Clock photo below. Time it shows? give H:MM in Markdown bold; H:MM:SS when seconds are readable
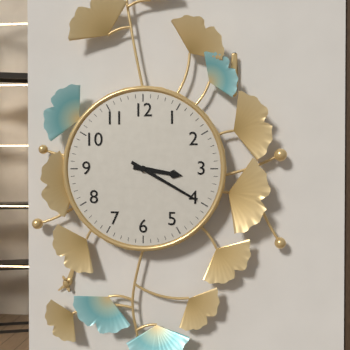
**3:20**
